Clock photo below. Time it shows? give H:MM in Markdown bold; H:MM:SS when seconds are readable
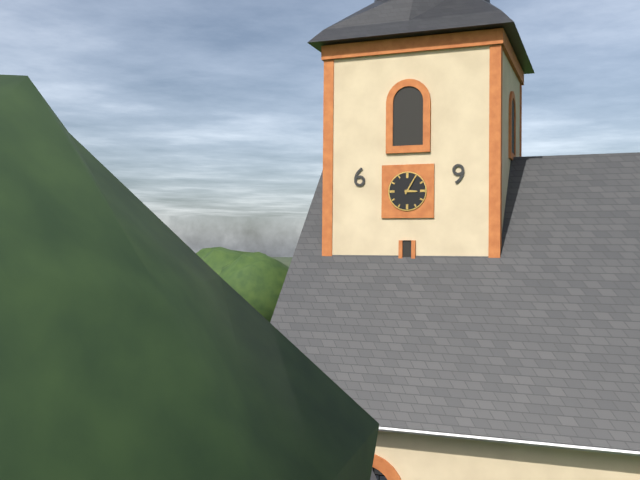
**3:05**
